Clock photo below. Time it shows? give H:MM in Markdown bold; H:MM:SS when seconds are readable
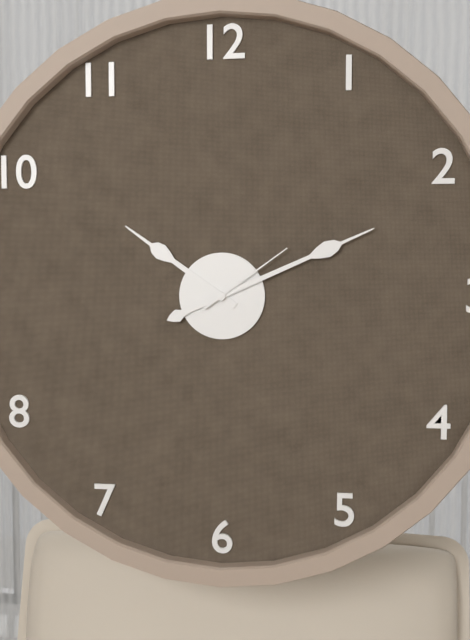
**10:11:09**
